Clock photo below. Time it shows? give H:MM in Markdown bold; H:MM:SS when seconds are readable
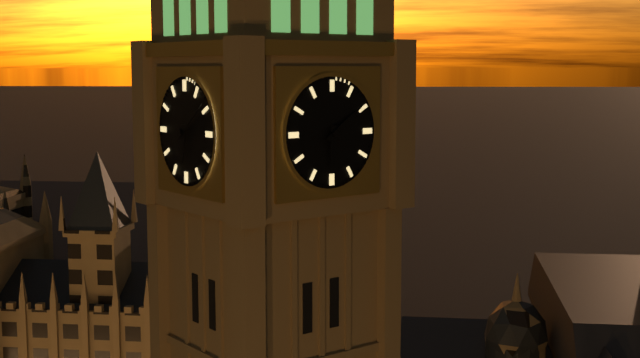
**6:09**
